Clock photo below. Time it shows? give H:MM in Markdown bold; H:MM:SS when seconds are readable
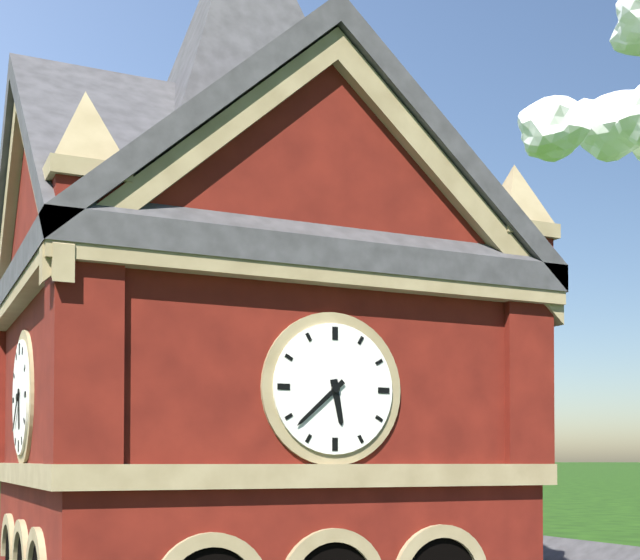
**5:38**
